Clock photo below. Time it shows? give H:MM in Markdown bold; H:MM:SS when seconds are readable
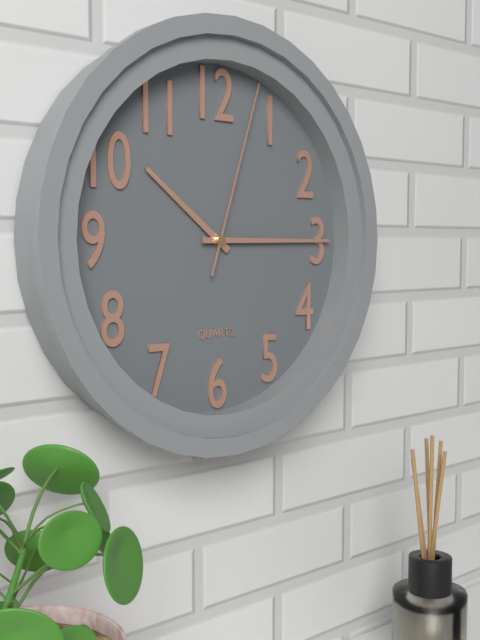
**10:15:03**
